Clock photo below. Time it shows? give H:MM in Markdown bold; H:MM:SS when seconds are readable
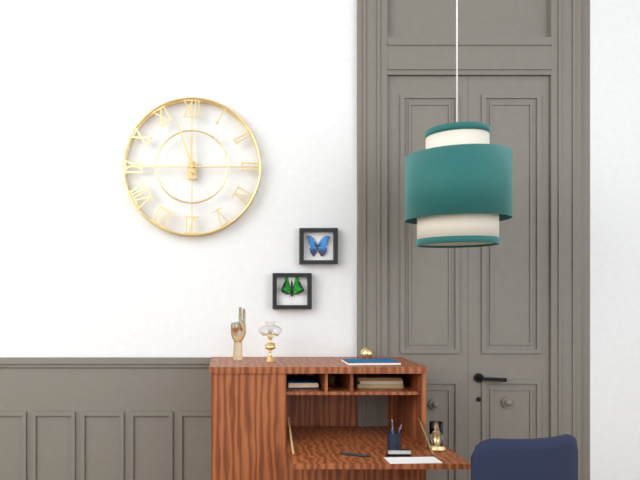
**11:57**
